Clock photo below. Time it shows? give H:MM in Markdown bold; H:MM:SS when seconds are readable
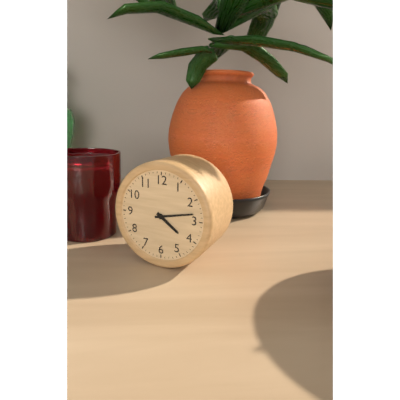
**4:13**
